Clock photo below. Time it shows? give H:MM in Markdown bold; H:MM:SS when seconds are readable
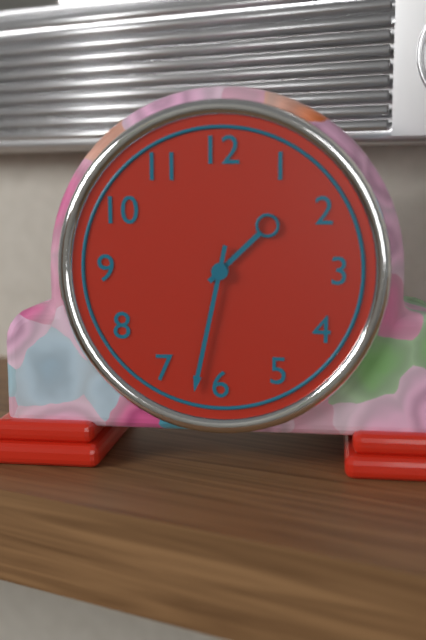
**1:32**
